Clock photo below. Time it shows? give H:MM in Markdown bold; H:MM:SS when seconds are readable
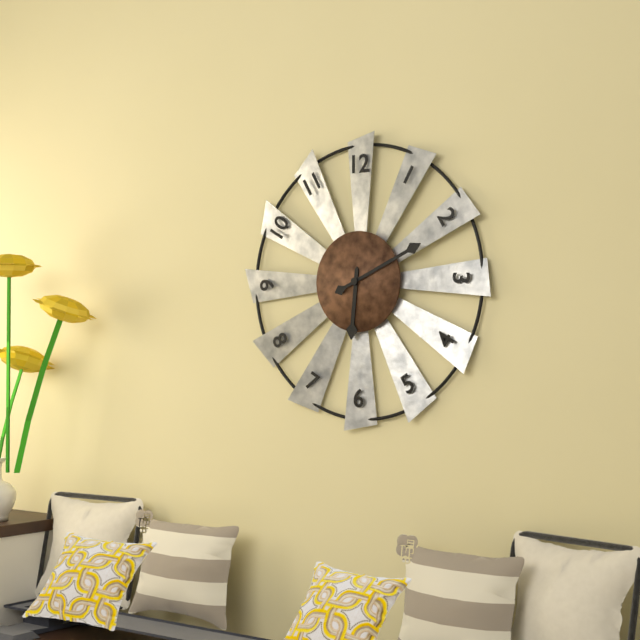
**6:11**
